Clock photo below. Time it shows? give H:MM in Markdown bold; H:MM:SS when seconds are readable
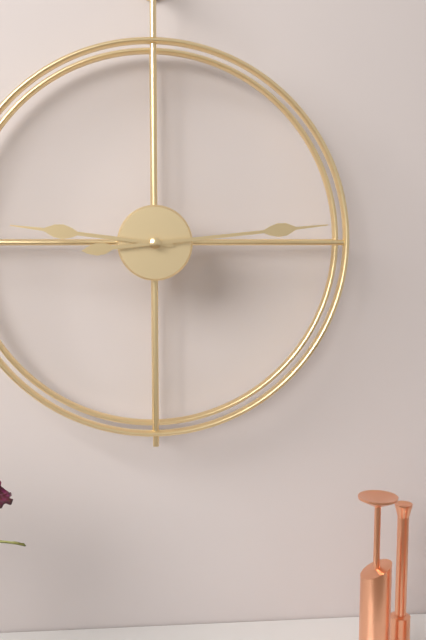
**9:14**
